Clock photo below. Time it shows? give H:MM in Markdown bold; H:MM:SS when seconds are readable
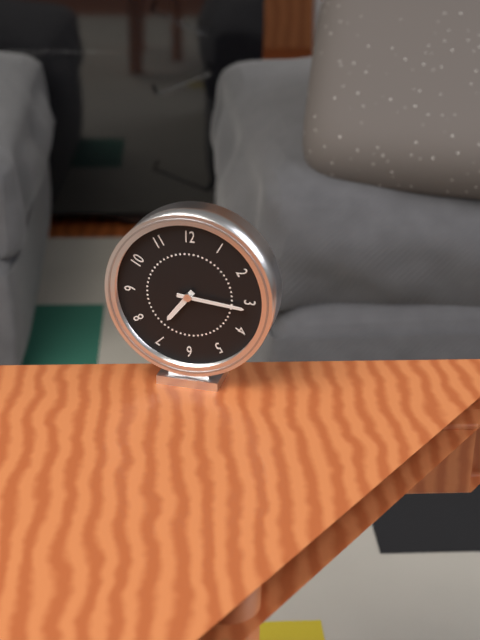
**7:16**
